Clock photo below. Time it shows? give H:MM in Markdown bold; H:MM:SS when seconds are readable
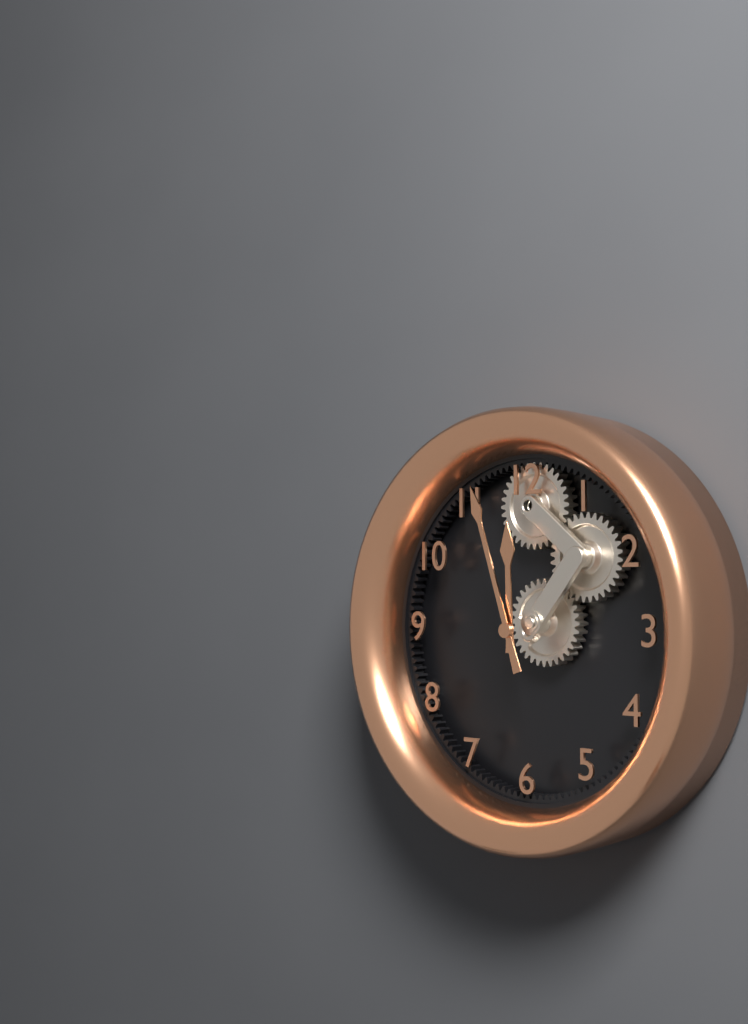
**11:57**
